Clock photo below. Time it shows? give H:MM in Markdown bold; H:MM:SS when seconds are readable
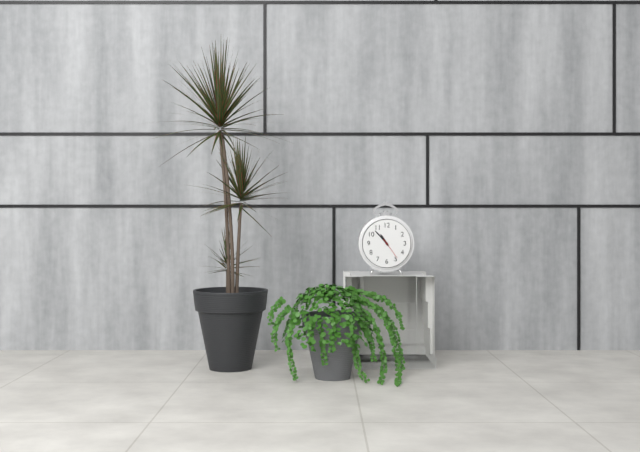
**10:53**
